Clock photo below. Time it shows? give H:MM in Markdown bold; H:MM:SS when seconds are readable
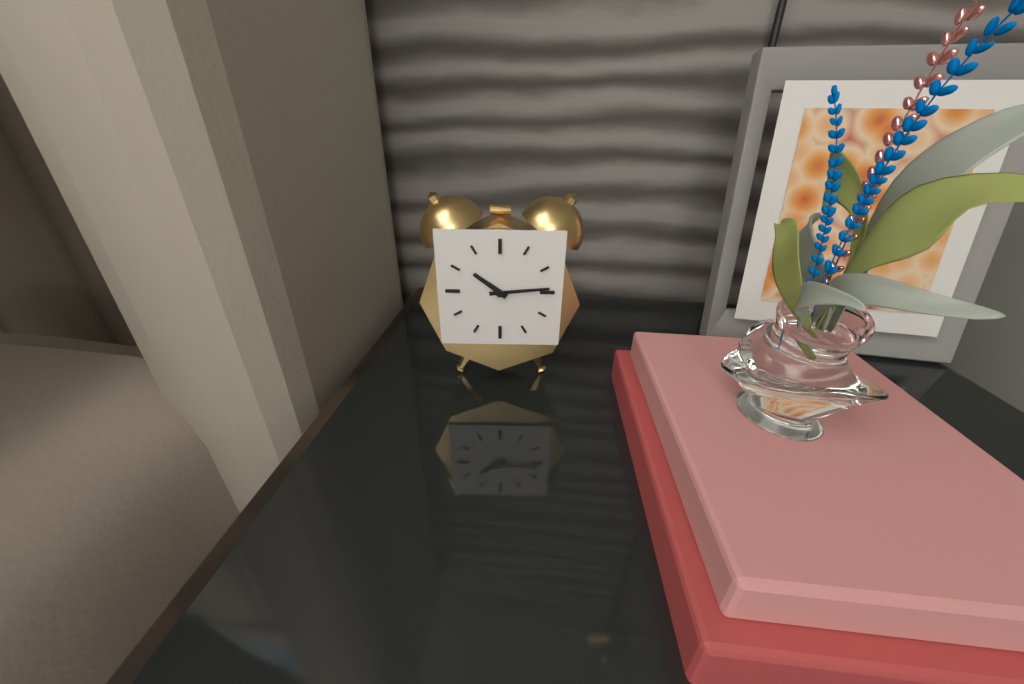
**10:14**
